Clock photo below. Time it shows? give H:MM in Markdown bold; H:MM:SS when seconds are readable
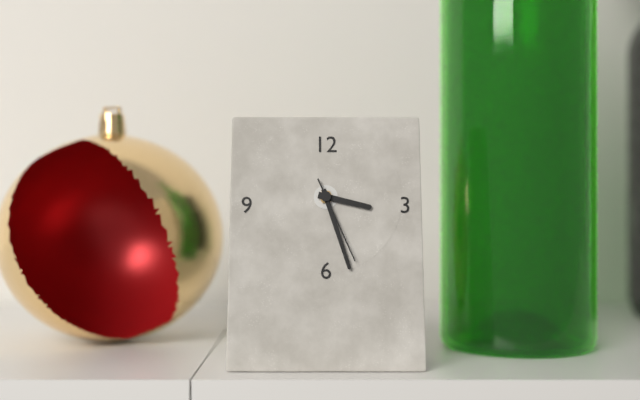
**3:27:26**
